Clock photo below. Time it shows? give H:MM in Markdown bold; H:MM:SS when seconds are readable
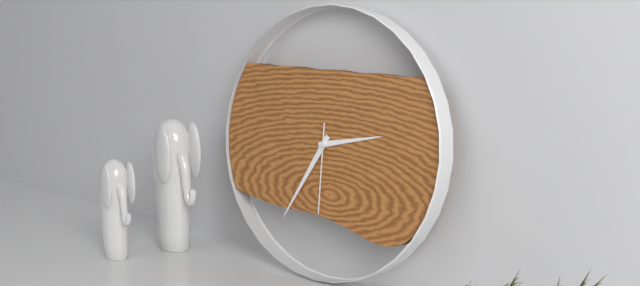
**2:35:30**
